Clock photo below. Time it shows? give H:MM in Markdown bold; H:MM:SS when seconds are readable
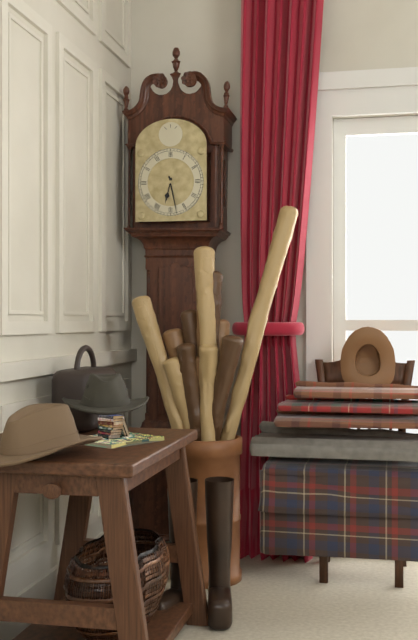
**6:28**
